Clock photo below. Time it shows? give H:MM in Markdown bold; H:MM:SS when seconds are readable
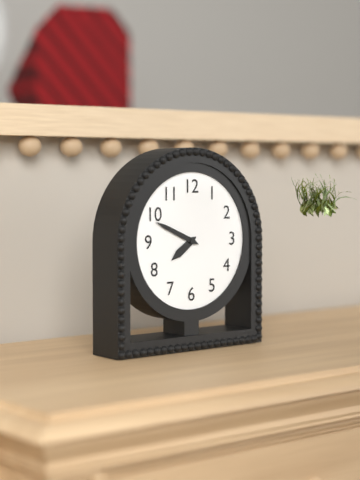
**7:49**
